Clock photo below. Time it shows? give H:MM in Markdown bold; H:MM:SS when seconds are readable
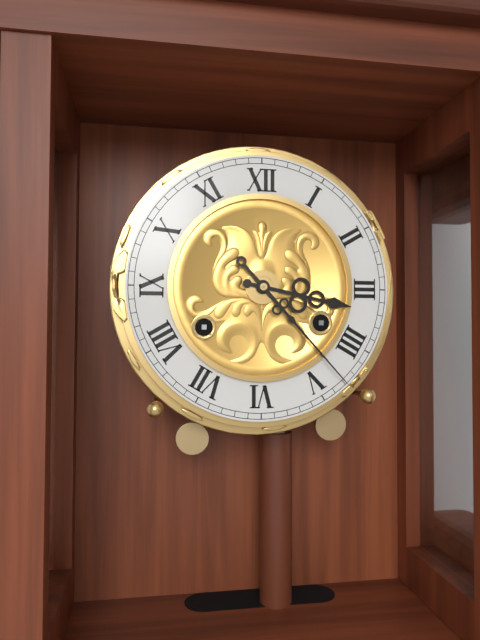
**3:23**
